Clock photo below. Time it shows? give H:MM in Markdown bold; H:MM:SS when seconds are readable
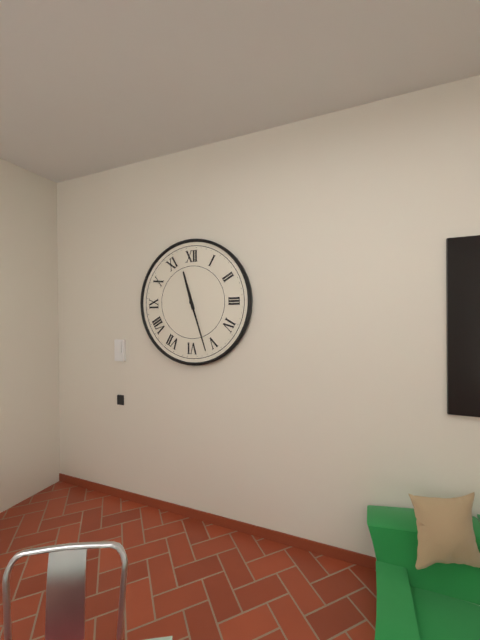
**11:27**
